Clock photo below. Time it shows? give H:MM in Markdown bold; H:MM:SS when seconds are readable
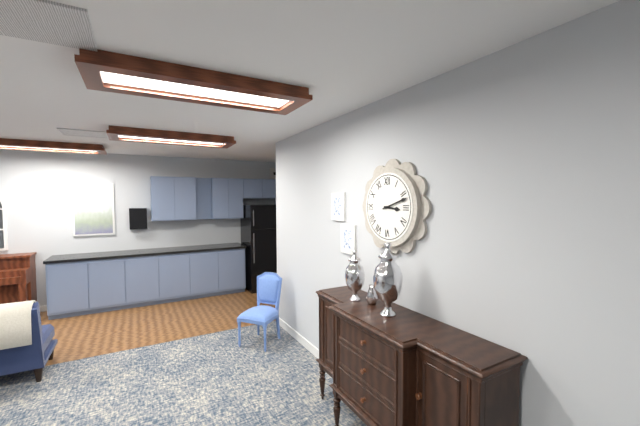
**3:12**
